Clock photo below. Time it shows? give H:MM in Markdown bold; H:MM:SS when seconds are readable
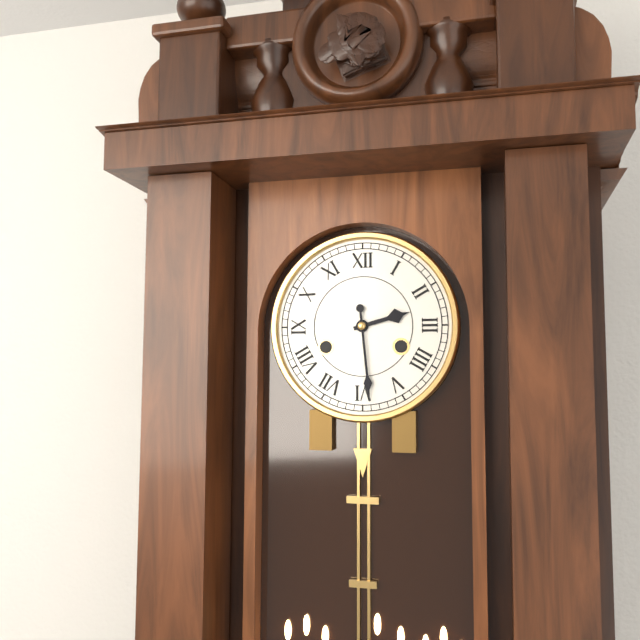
**2:29**
